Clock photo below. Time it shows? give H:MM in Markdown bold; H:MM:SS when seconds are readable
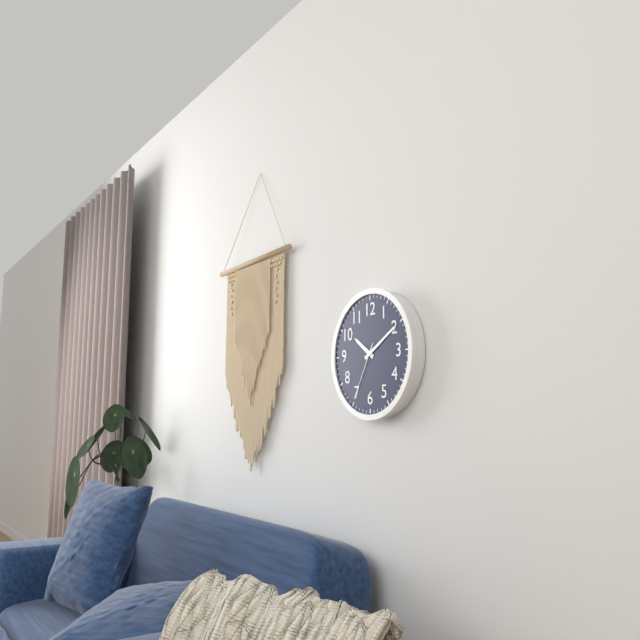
**10:10:35**
